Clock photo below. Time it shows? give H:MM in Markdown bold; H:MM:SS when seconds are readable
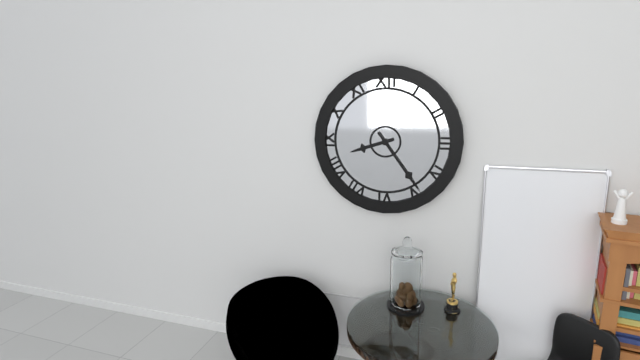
**8:24**
